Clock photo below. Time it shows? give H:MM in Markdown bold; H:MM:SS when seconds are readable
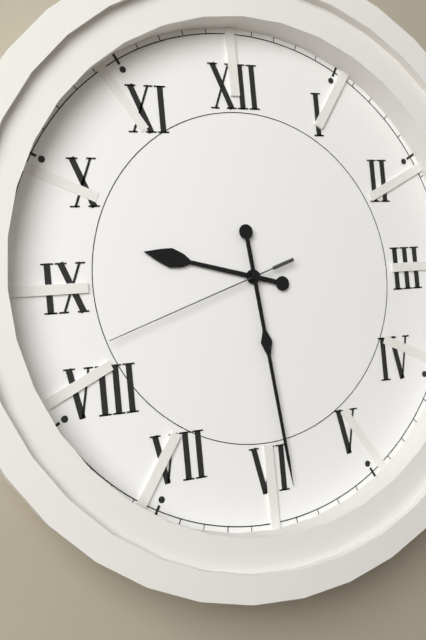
**9:29:42**
